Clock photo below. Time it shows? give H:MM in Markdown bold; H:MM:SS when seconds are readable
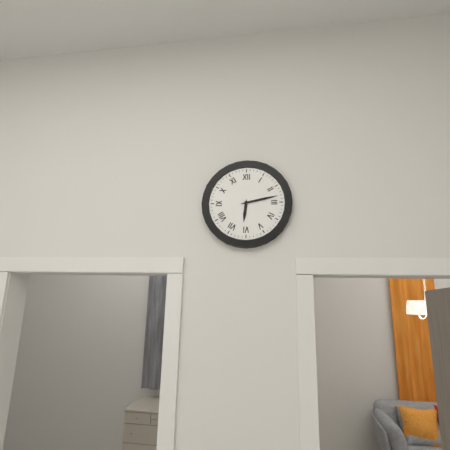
**6:13**
